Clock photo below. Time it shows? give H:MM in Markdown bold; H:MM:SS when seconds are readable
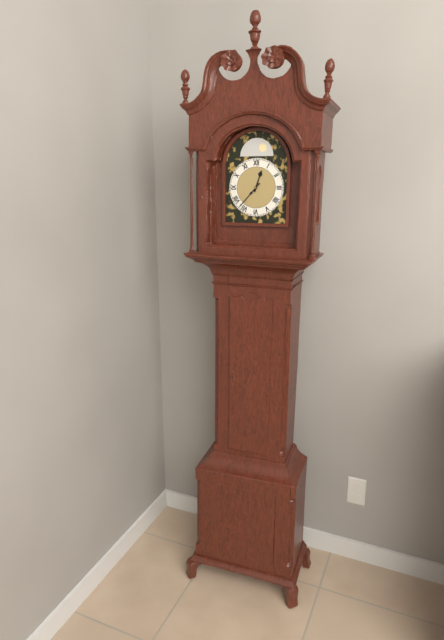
**12:37**
